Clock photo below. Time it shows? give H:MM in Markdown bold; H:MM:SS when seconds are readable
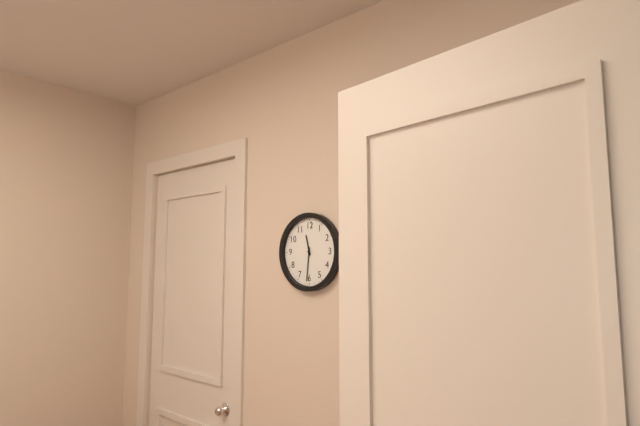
**11:31**
